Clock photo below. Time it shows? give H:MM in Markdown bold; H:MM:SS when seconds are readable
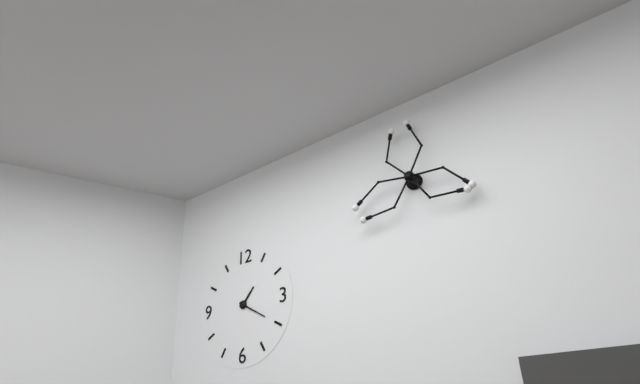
**1:20**
